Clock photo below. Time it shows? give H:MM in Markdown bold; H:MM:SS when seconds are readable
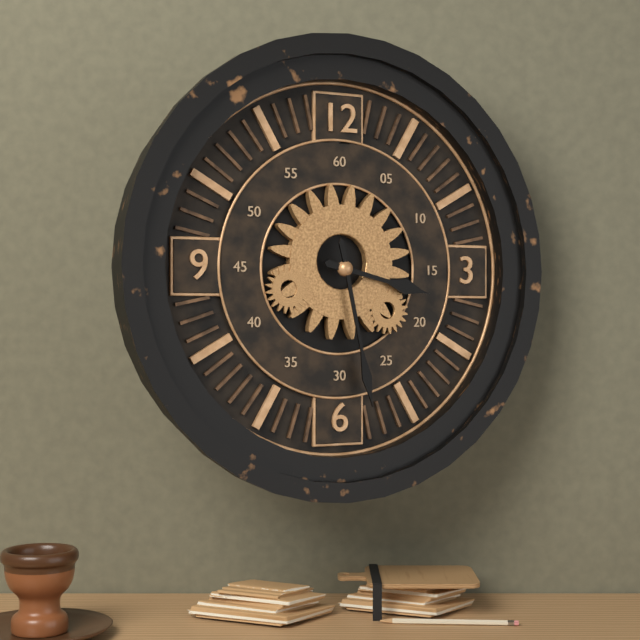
**3:28**
